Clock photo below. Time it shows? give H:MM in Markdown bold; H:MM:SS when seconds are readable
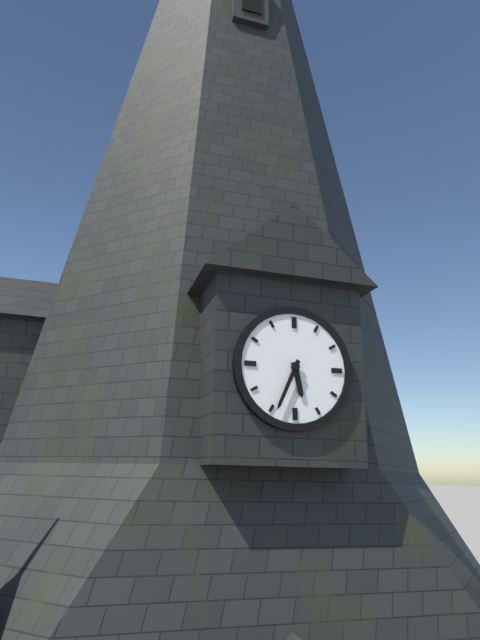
**5:34**
